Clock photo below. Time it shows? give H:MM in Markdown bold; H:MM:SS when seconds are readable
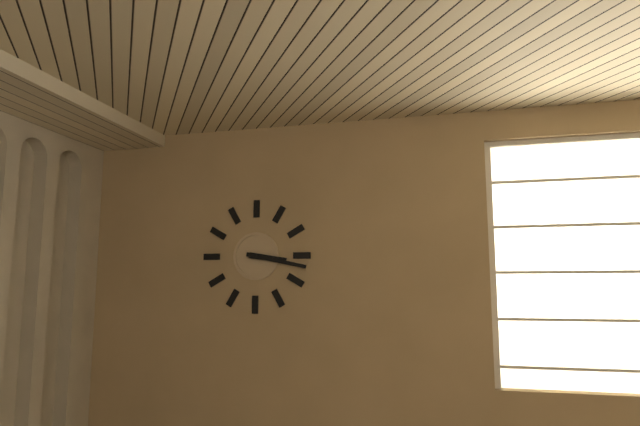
**3:17**
